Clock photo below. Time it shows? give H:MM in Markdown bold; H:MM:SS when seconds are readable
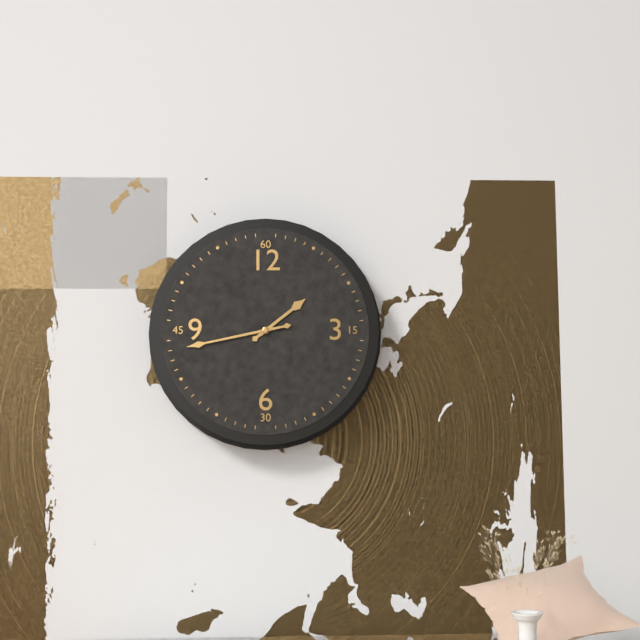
**1:43**
